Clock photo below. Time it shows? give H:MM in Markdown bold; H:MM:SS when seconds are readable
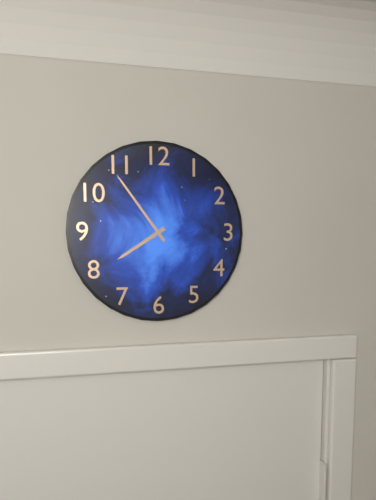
**7:54**
